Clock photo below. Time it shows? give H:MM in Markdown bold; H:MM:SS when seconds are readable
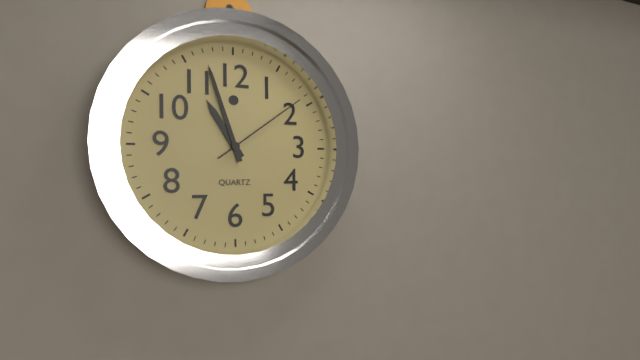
**10:57:09**
